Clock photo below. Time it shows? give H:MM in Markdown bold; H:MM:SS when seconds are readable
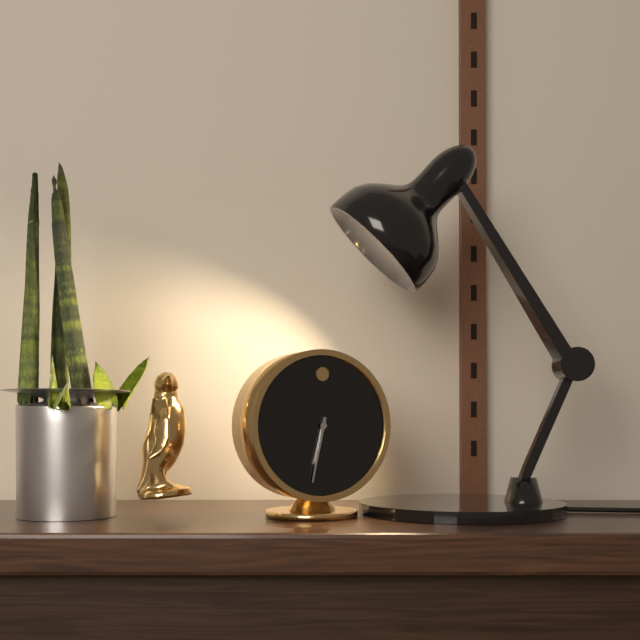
**6:32**
